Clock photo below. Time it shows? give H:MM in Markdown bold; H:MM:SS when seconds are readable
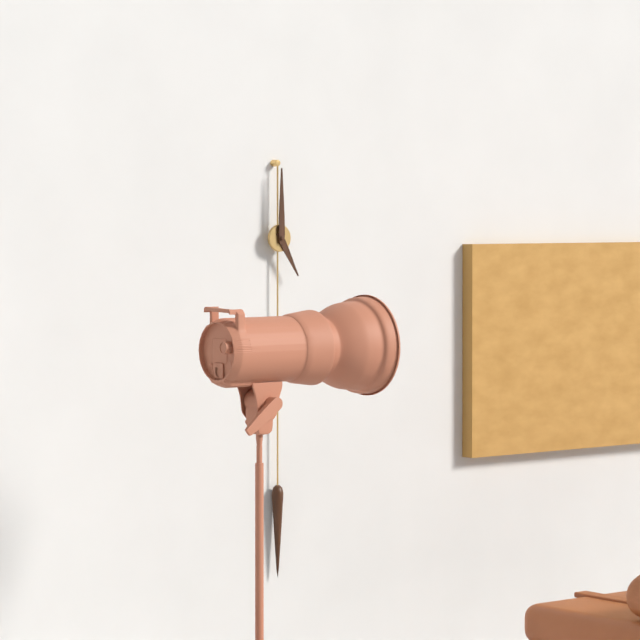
**5:00**
